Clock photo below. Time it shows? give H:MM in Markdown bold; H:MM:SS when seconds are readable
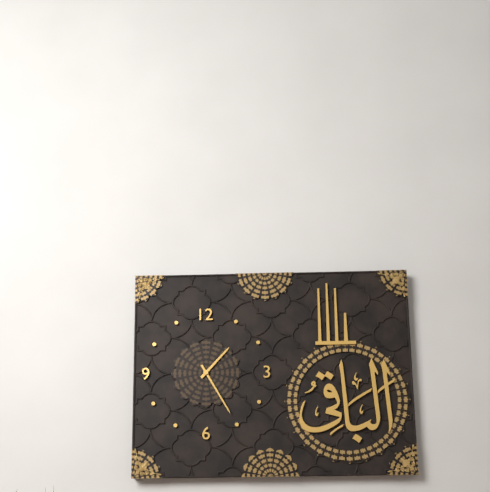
**1:25**
